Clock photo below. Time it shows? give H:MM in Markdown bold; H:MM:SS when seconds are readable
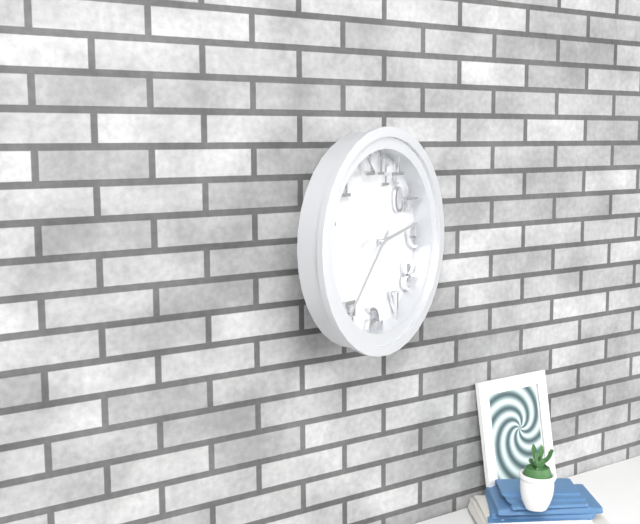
**2:37**
